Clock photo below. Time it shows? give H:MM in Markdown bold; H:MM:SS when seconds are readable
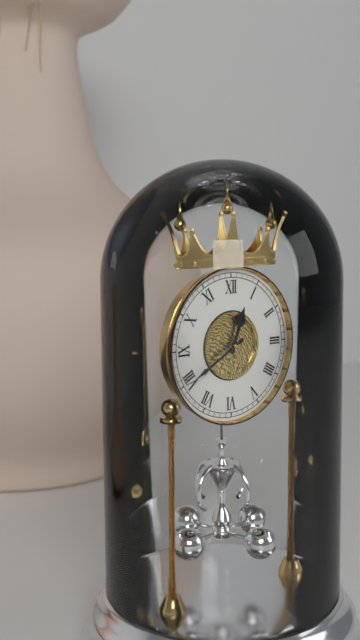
**12:40**
